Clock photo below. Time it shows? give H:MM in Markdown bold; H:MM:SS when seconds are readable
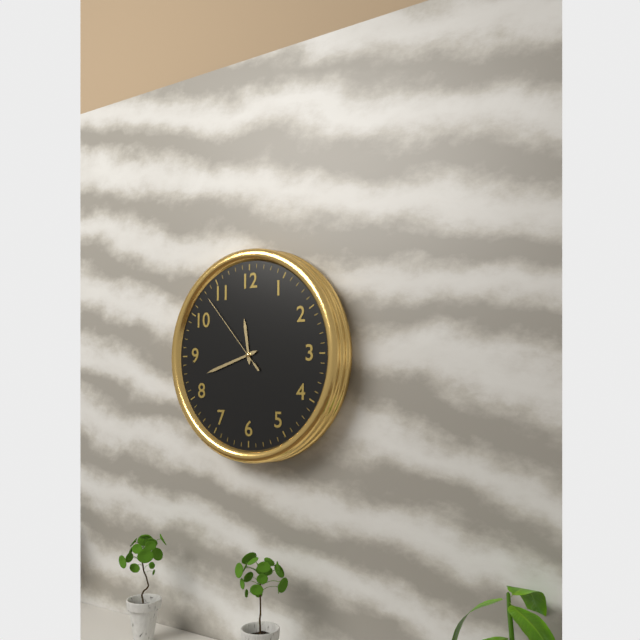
**11:42:53**
